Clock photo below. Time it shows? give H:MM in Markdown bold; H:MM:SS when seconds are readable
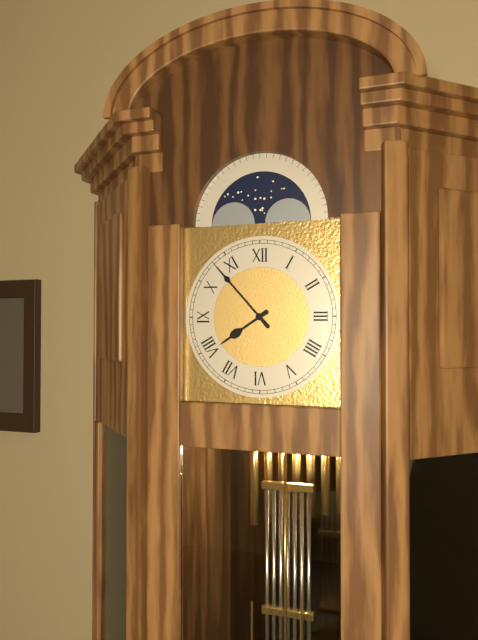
**7:53**
